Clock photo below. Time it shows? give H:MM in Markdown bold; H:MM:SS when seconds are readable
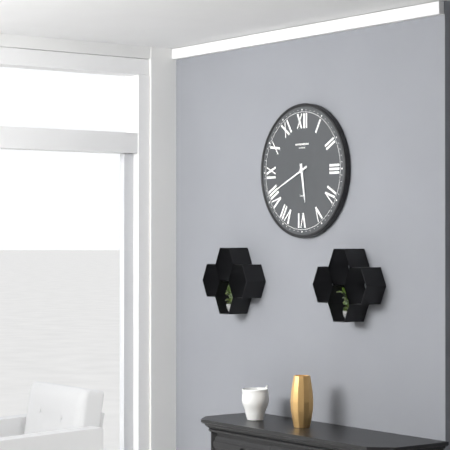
**5:41**
